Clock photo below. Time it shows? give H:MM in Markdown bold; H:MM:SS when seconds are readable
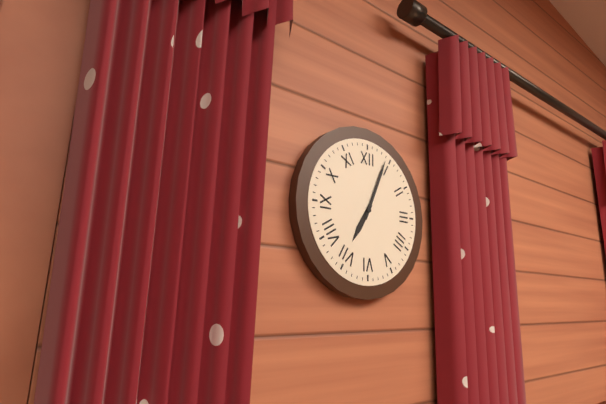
**7:04**
